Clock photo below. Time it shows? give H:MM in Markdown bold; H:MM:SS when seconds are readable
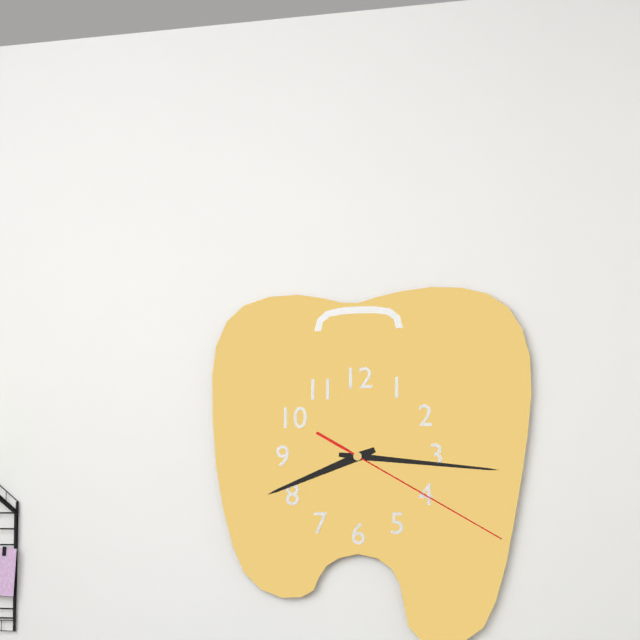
**8:16:20**
